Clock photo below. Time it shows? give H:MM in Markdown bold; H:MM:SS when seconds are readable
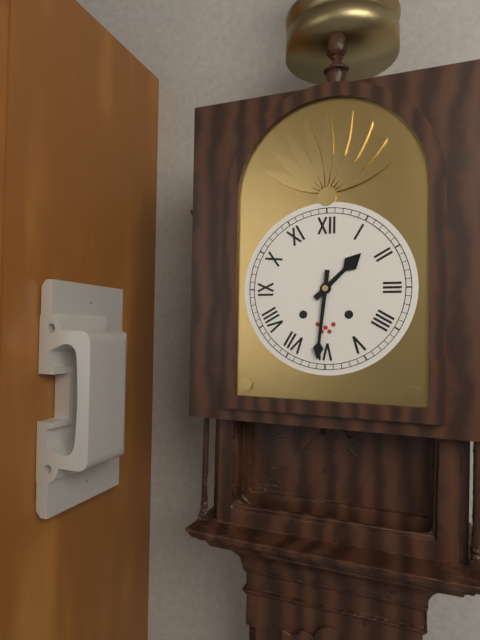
**1:31**
